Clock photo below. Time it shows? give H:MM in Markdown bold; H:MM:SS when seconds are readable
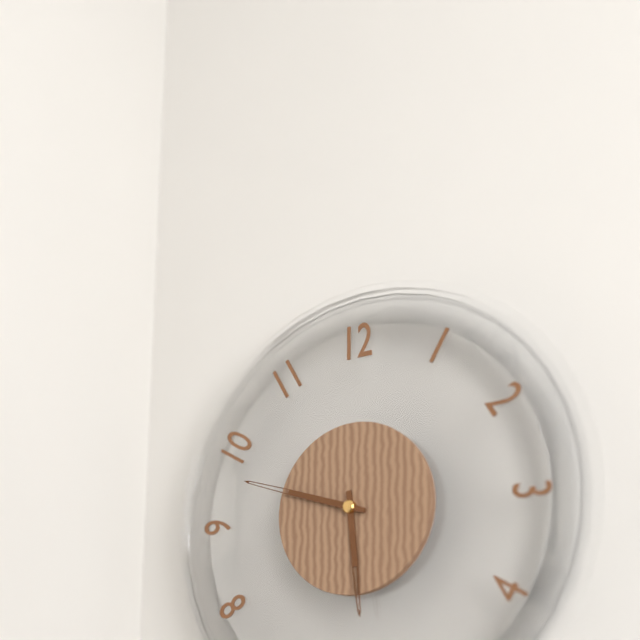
**5:48**
